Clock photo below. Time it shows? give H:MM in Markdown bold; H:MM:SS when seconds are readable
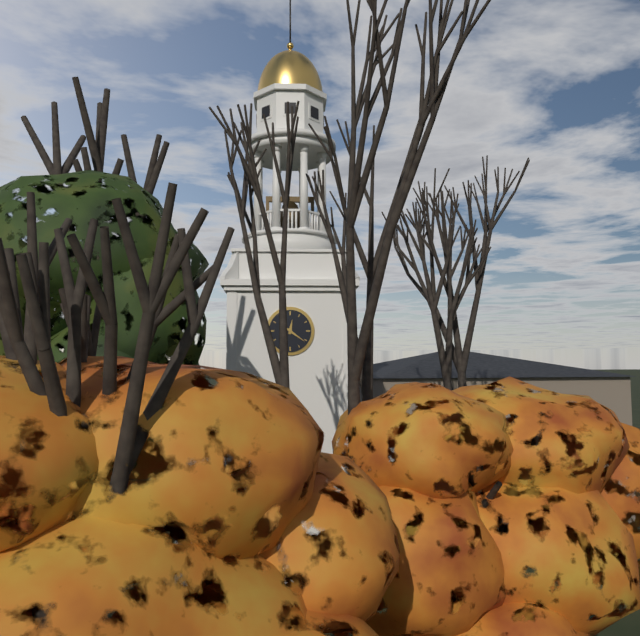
**12:21**
